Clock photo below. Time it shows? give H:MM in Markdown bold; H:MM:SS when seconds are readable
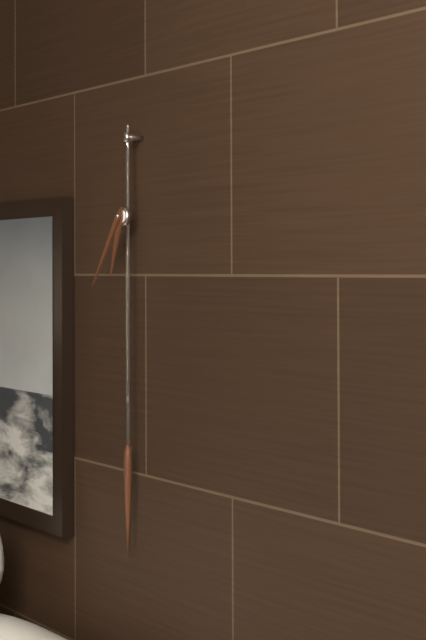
**6:36**
